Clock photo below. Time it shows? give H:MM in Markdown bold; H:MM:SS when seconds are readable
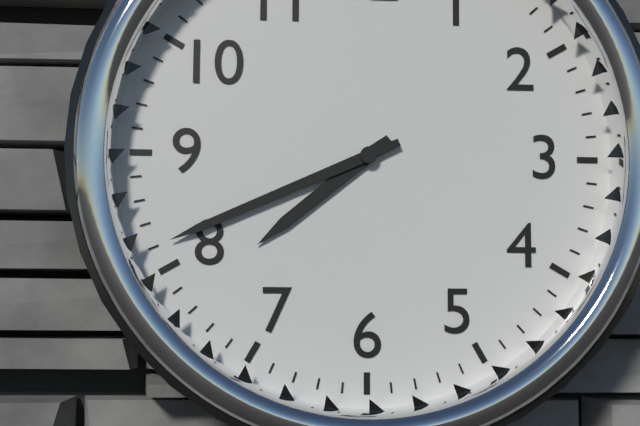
**7:41**
